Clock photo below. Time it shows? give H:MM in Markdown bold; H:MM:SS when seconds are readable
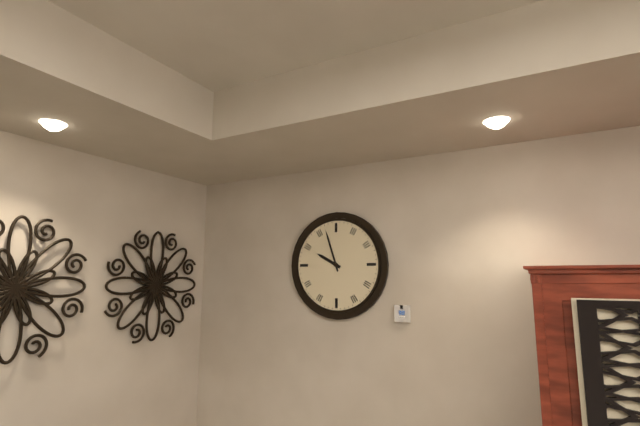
**9:57**
